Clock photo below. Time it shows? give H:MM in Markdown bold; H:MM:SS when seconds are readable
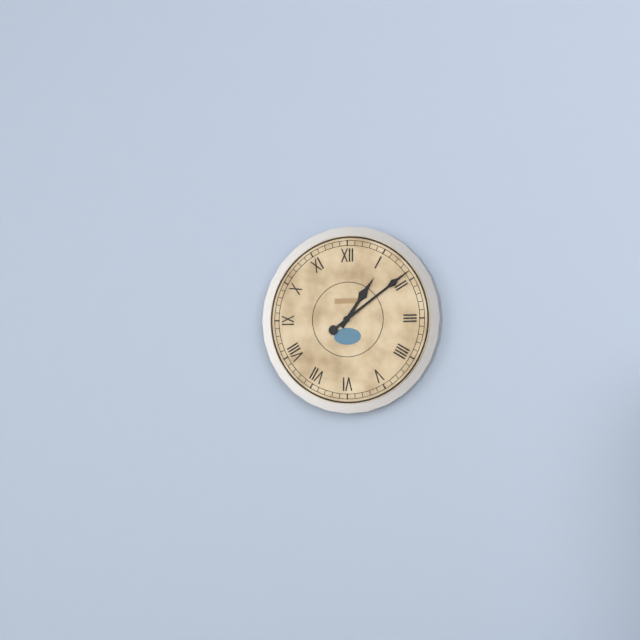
**1:09**
